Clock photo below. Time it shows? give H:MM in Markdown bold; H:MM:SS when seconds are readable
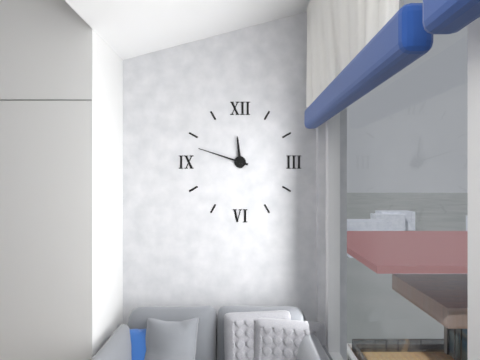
**11:48**
